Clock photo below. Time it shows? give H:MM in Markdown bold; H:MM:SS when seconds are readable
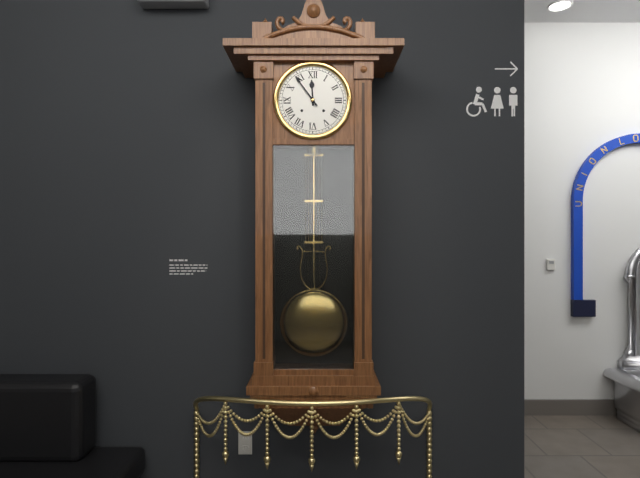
**11:54**
